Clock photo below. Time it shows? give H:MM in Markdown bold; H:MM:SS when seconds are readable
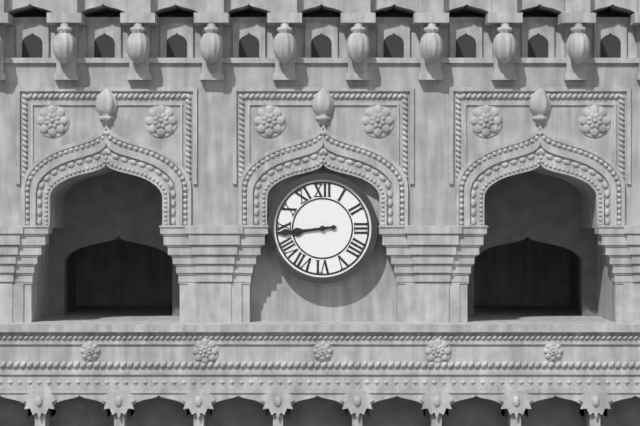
**8:44**
